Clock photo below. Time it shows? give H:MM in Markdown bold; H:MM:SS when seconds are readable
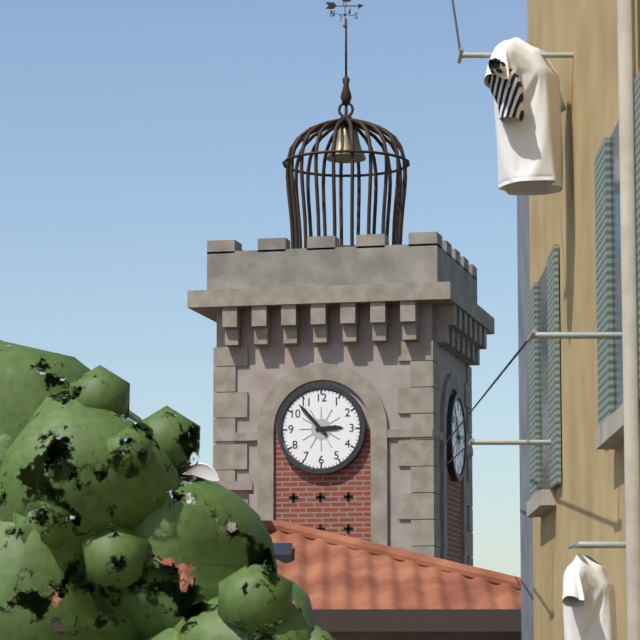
**2:53**
